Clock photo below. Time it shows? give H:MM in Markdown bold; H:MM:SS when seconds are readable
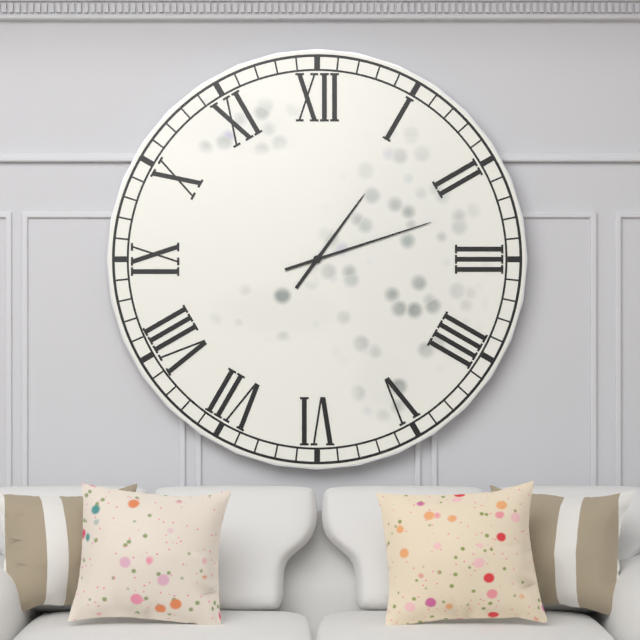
**1:12**
